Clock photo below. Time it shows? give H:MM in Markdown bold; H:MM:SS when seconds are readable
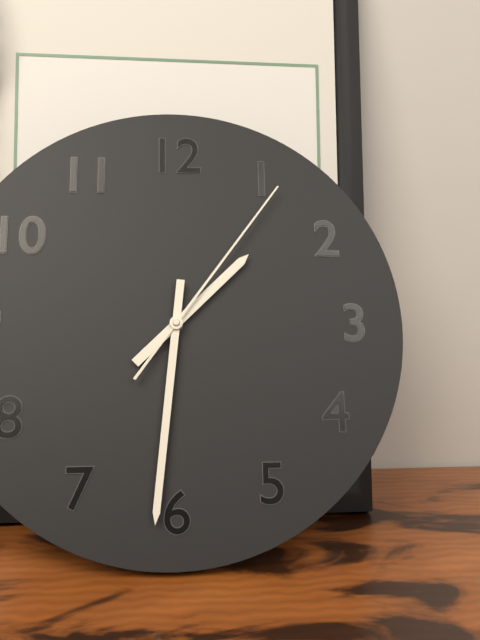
**1:31:06**
